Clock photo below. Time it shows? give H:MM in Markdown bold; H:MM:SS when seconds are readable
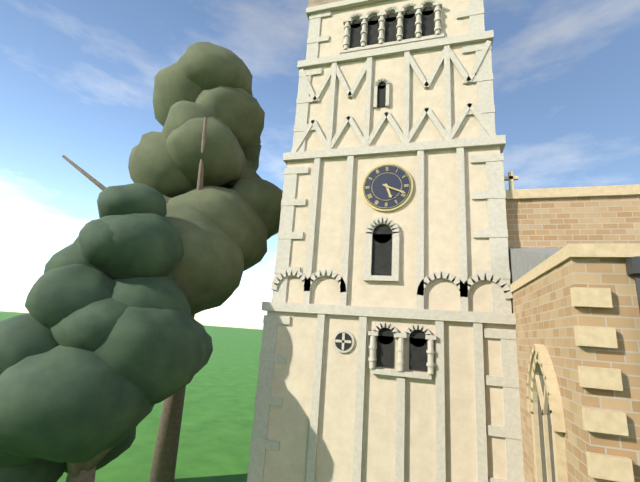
**5:19**
